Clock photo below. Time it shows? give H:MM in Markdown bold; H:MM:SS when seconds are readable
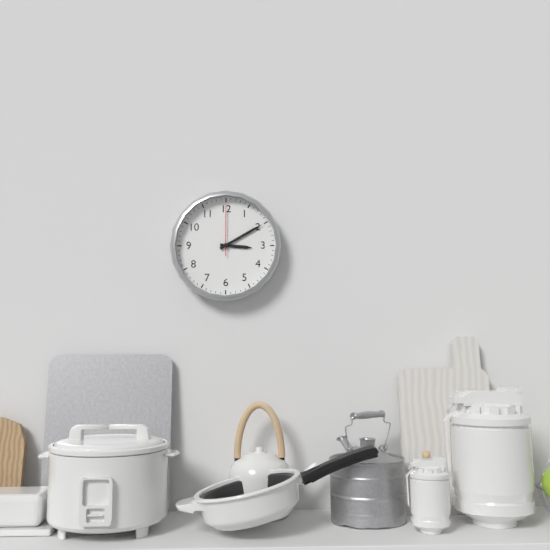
**3:10:00**
